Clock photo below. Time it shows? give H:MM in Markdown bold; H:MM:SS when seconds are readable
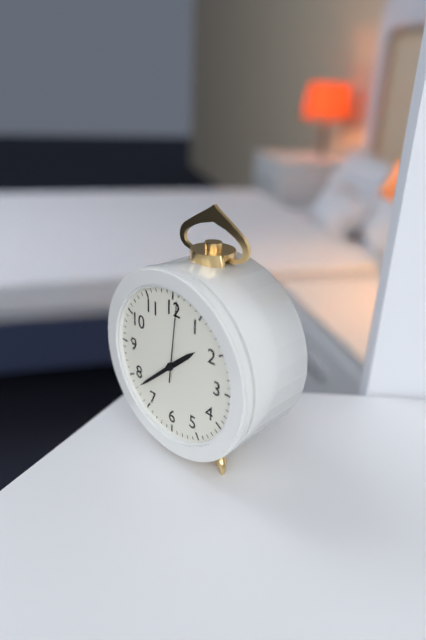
**1:38:01**
